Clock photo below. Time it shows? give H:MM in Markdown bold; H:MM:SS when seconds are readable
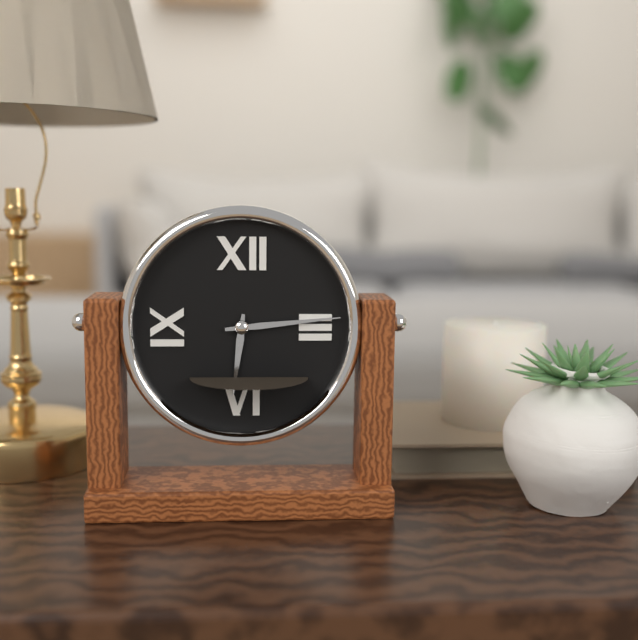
**6:14**
